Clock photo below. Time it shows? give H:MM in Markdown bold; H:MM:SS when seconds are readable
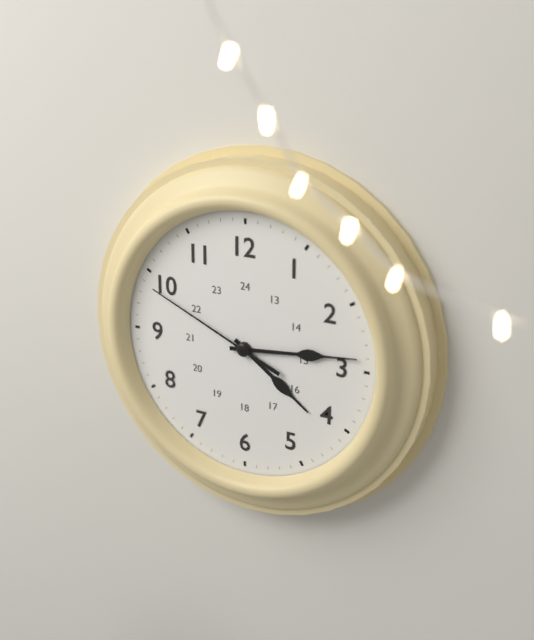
**4:14:49**
